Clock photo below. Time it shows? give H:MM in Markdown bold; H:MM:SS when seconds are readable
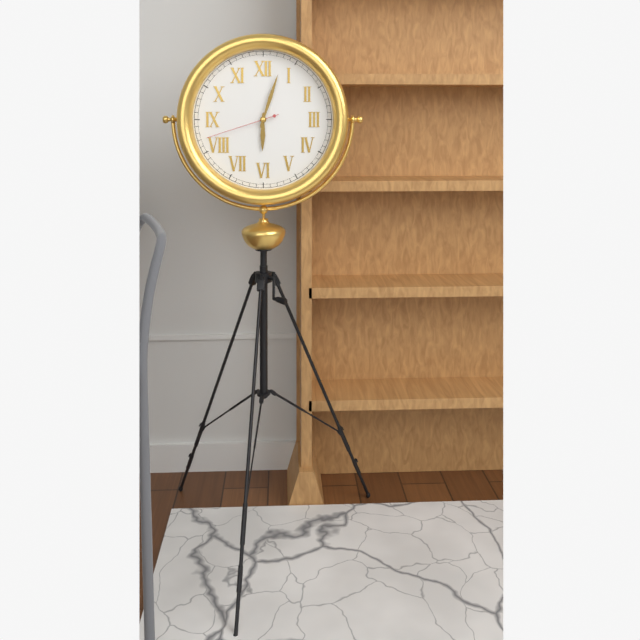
**6:03:42**
